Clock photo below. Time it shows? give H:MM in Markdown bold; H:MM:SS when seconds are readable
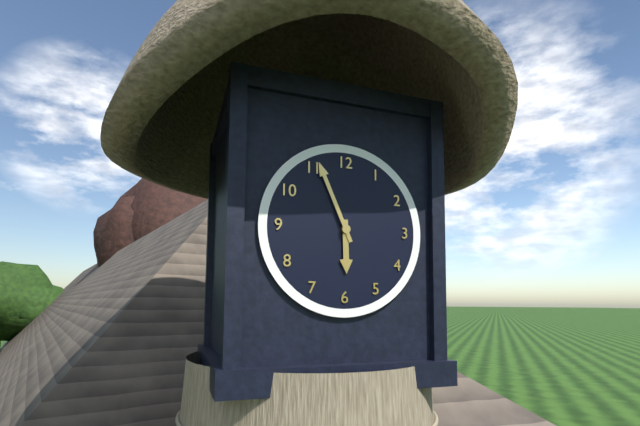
**5:56**
